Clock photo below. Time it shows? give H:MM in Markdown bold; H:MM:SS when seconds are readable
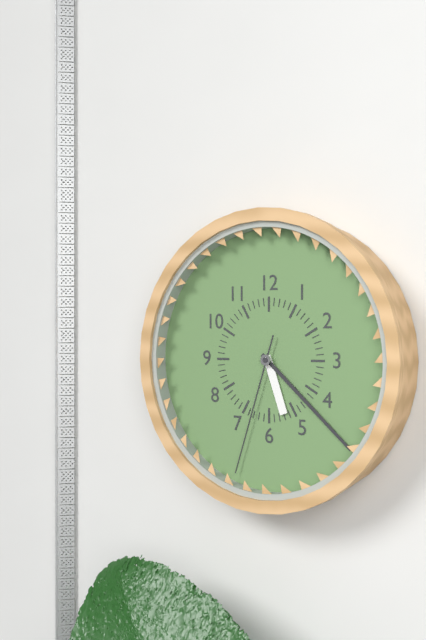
**5:22:33**
